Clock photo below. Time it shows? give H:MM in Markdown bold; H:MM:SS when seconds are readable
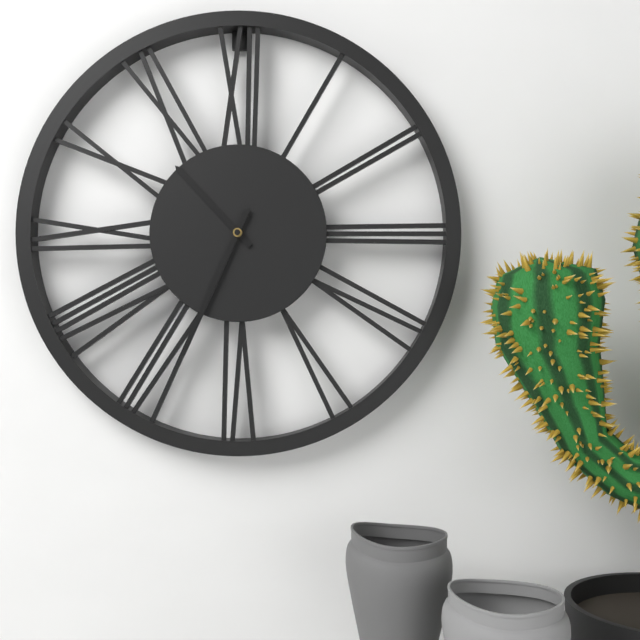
**10:34**
